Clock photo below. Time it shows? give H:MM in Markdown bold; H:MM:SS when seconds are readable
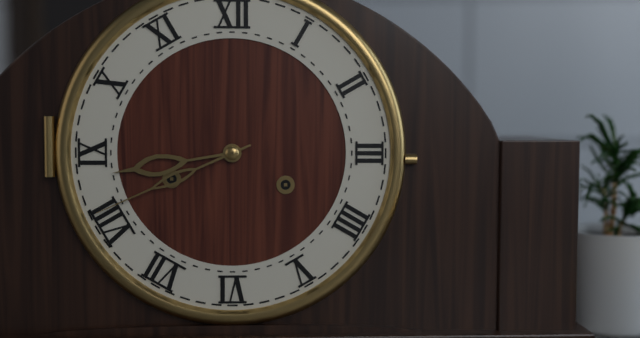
**8:41**
